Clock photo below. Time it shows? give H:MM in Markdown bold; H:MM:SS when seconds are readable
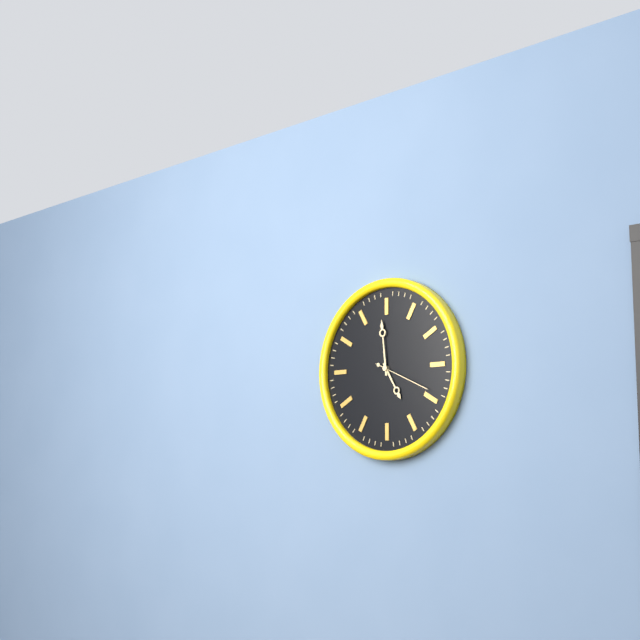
**4:59:19**
